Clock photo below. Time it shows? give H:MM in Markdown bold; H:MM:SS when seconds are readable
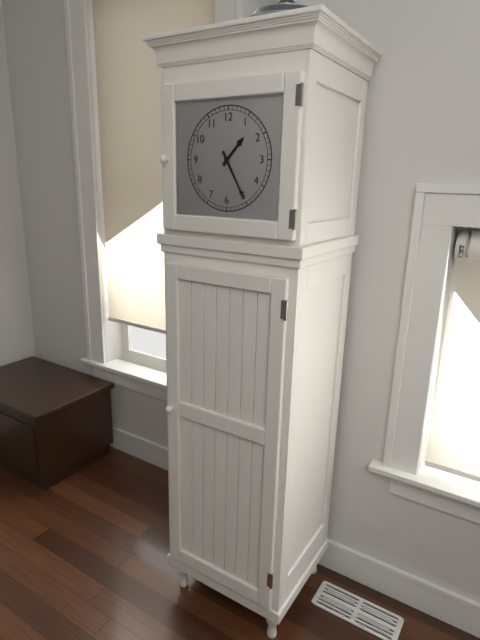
**1:25**
